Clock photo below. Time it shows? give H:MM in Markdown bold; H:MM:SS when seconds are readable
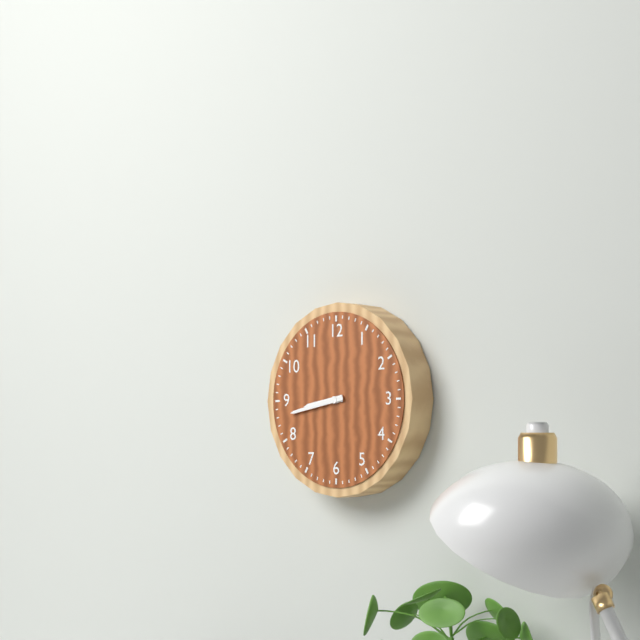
**8:43**
